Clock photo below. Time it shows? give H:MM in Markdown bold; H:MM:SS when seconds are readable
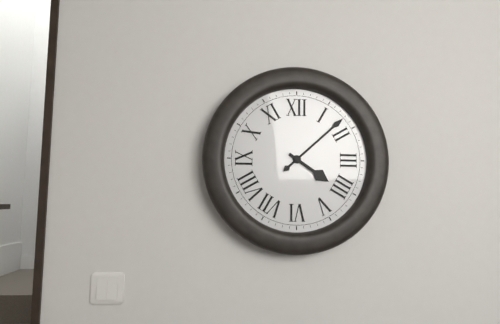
**4:08**
